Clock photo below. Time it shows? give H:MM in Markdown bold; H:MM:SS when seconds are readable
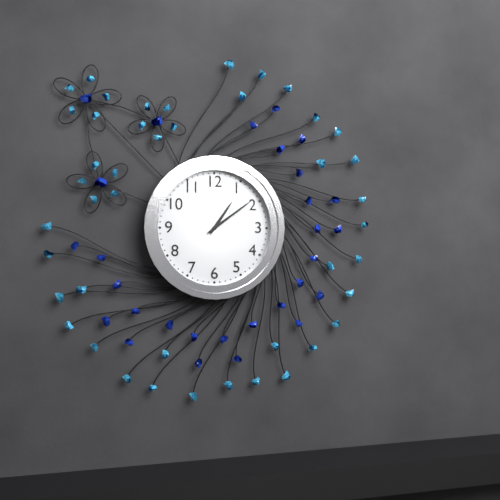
**1:09**
